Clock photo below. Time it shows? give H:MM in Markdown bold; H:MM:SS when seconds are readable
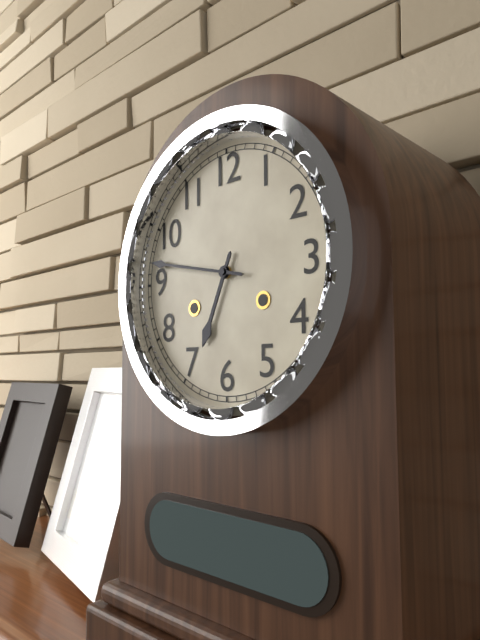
**6:47**
